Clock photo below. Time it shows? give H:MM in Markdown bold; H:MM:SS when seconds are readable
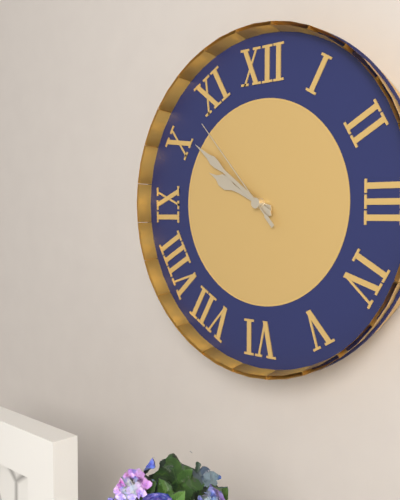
**9:51:53**
